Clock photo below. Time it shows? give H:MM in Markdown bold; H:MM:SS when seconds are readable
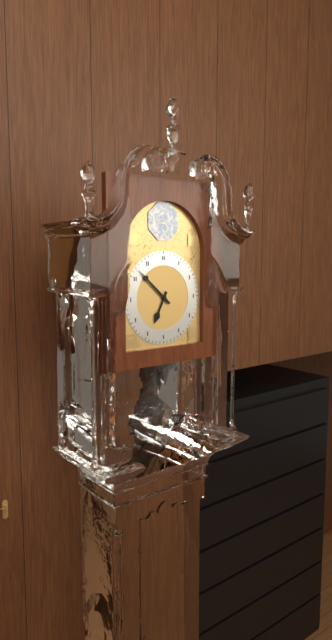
**6:52**
